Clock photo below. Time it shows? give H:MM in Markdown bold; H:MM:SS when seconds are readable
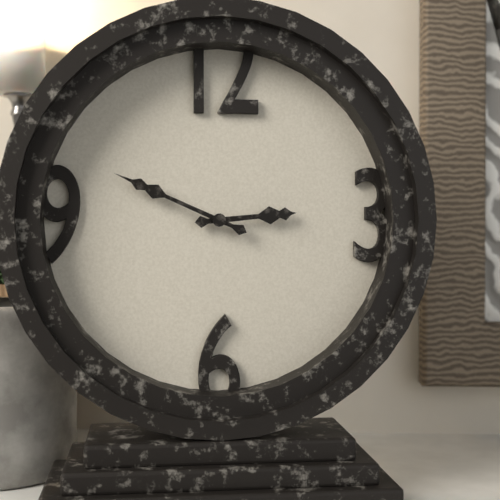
**2:49**
